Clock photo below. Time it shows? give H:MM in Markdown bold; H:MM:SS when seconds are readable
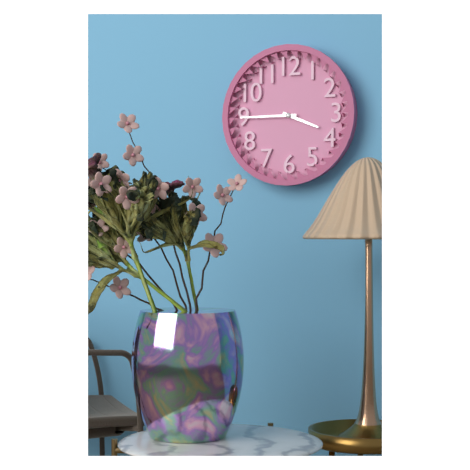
**3:45**
